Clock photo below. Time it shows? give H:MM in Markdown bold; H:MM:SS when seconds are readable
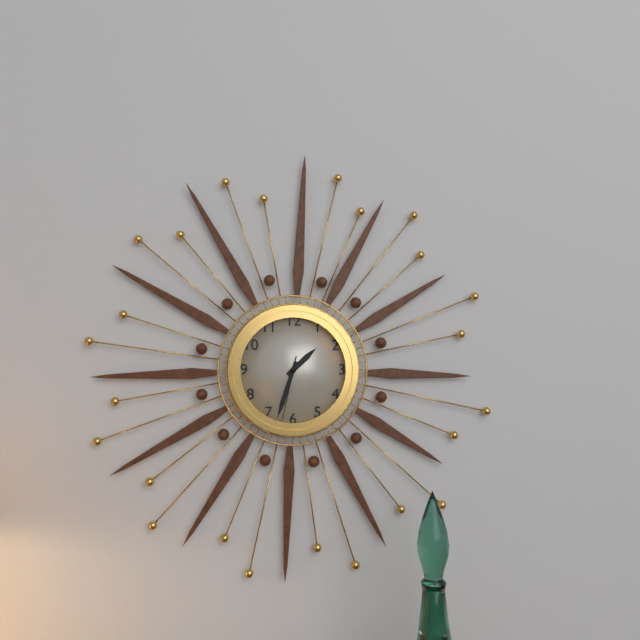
**1:33:32**
